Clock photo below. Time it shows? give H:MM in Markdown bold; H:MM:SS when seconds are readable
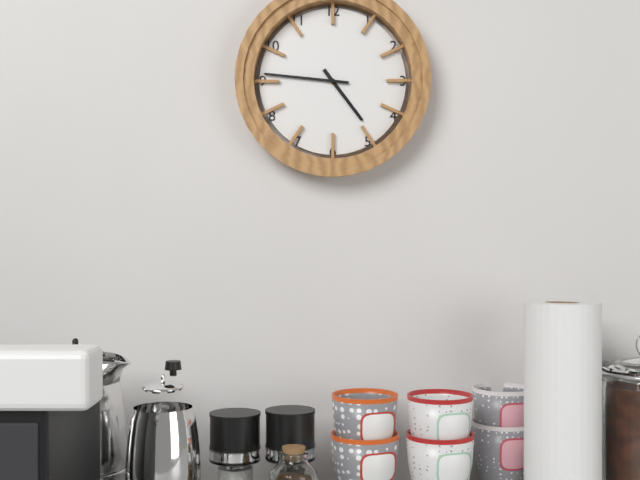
**4:46**
